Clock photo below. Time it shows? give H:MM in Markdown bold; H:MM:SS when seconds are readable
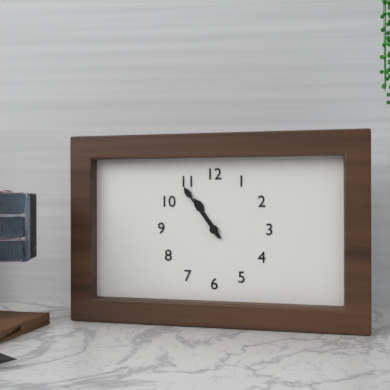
**10:54**
